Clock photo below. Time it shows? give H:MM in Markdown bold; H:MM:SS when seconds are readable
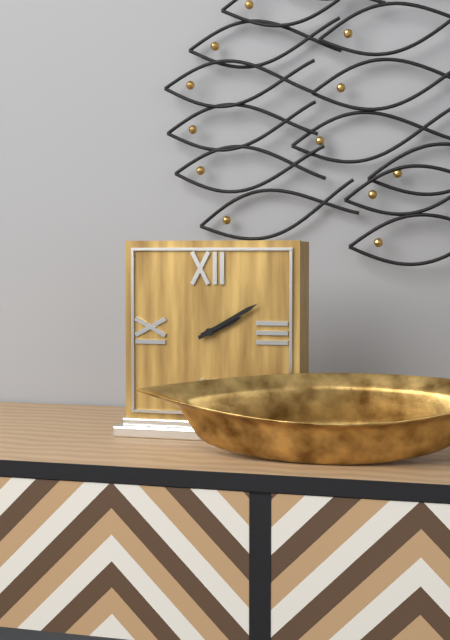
**2:10**
